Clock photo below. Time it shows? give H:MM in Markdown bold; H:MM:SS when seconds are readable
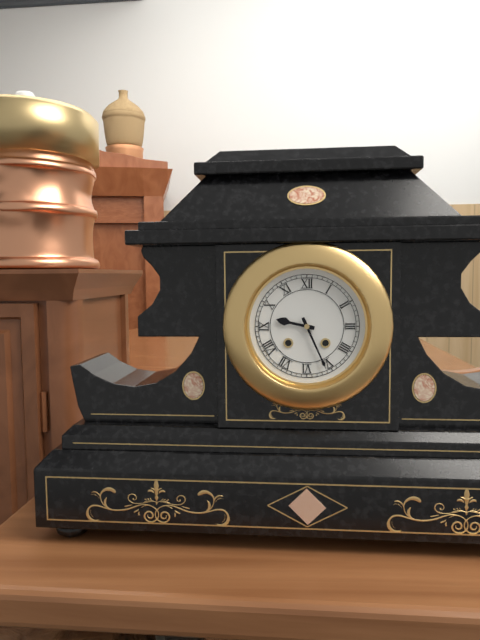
**9:26**
